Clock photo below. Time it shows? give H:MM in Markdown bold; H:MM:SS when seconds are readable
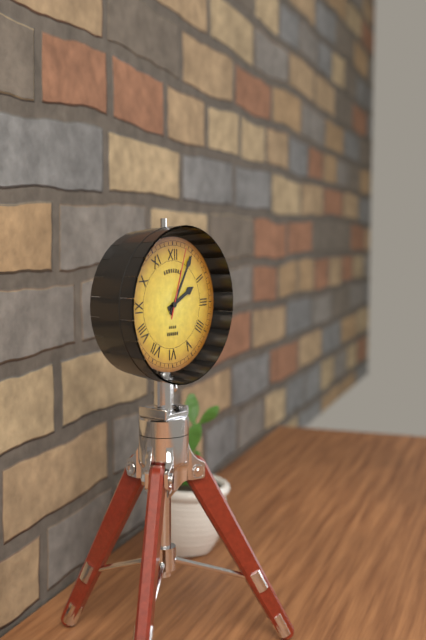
**2:05:03**
